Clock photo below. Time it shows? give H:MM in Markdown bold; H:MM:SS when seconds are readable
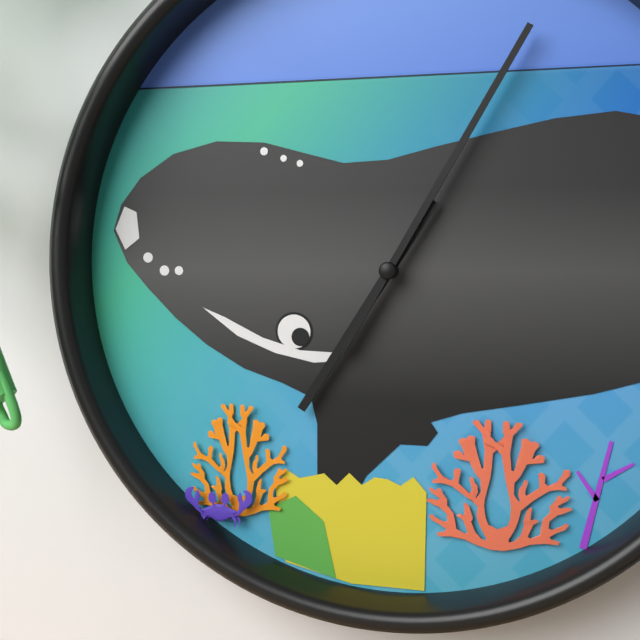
**7:05**
